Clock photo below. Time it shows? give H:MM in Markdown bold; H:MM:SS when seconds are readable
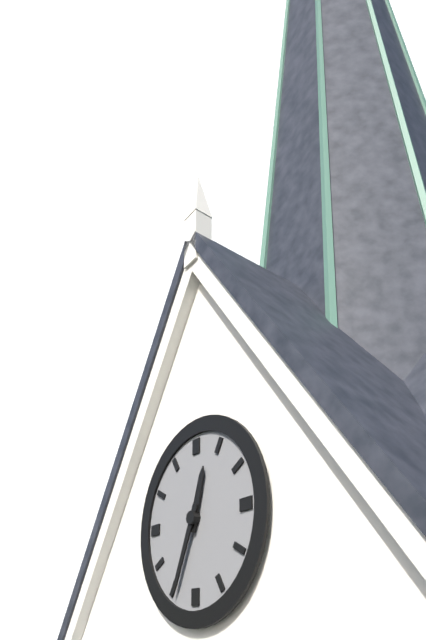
**12:34**
